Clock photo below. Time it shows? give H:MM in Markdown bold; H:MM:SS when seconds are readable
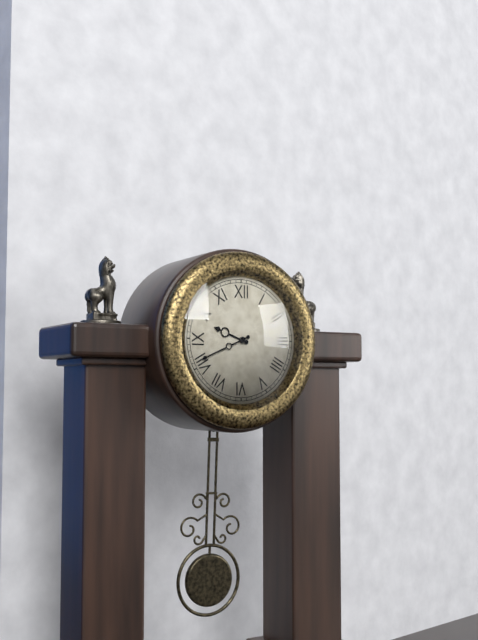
**9:41**
